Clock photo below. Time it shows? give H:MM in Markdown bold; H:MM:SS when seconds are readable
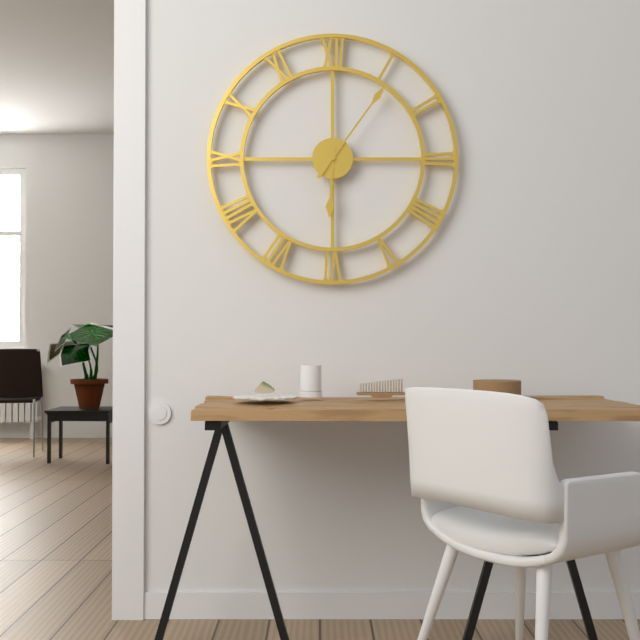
**6:06**
